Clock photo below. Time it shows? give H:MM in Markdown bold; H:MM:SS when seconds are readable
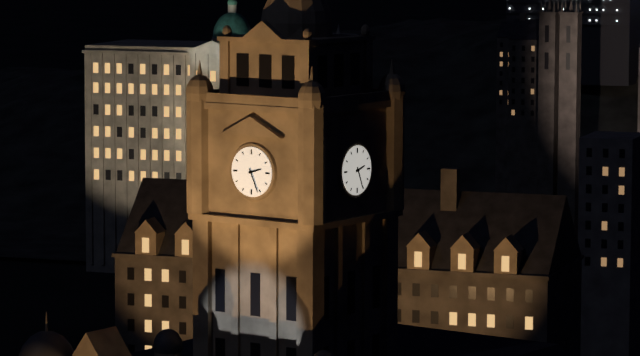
**2:26**
